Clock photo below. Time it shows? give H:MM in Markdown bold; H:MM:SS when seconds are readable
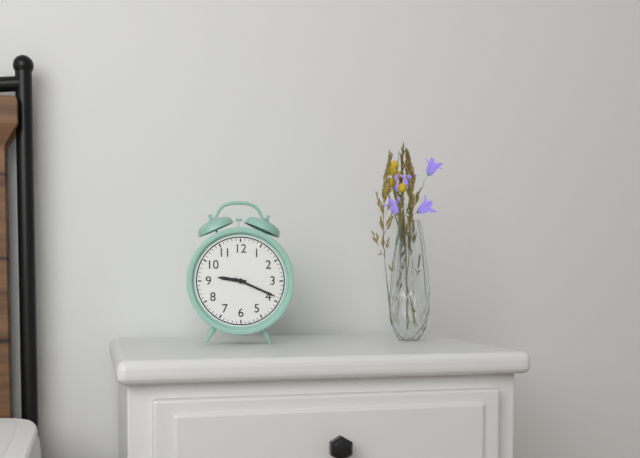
**9:19**
